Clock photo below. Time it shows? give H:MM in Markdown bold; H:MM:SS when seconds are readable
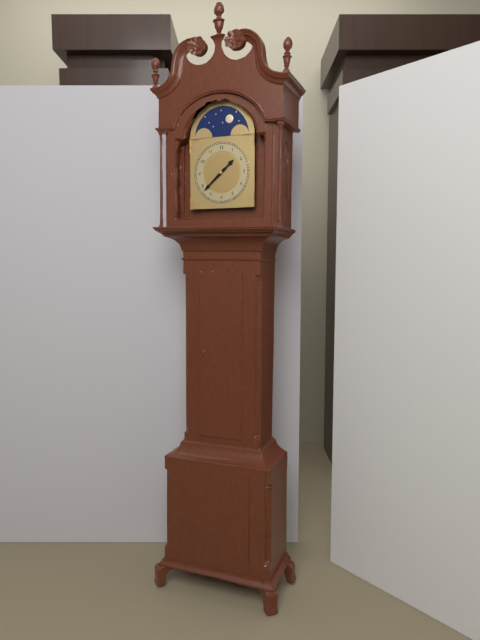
**1:38**
